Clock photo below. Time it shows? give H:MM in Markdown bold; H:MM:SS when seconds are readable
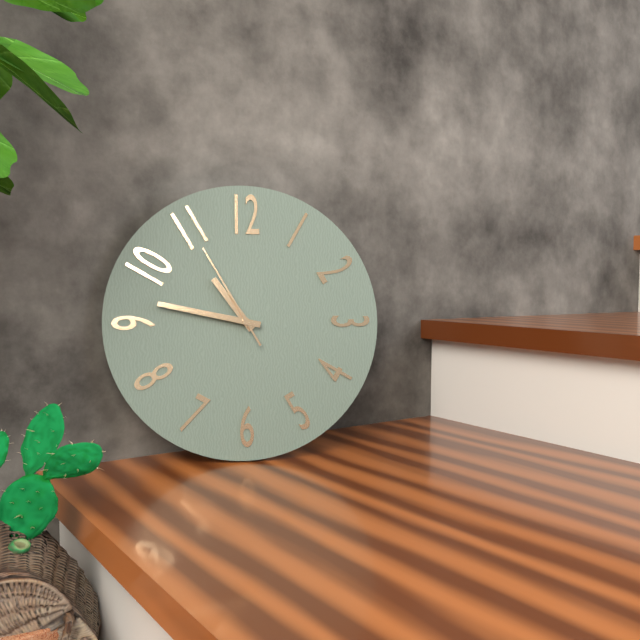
**10:47:55**
